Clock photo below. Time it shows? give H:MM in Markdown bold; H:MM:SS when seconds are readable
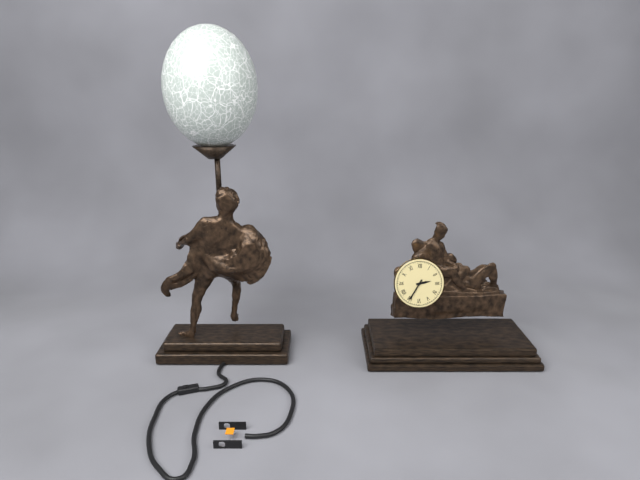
**2:35**
